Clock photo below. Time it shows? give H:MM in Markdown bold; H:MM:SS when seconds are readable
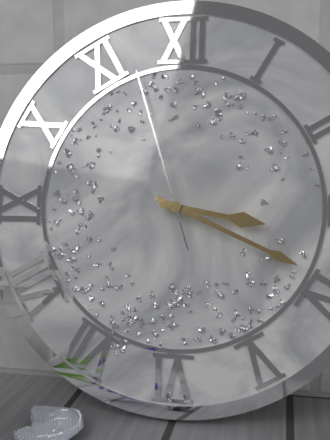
**3:19:57**
